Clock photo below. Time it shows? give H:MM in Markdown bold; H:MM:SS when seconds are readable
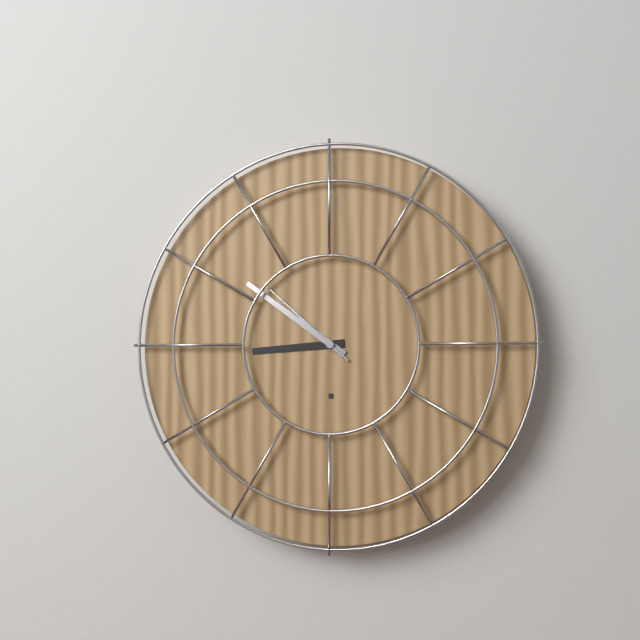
**8:51:52**
